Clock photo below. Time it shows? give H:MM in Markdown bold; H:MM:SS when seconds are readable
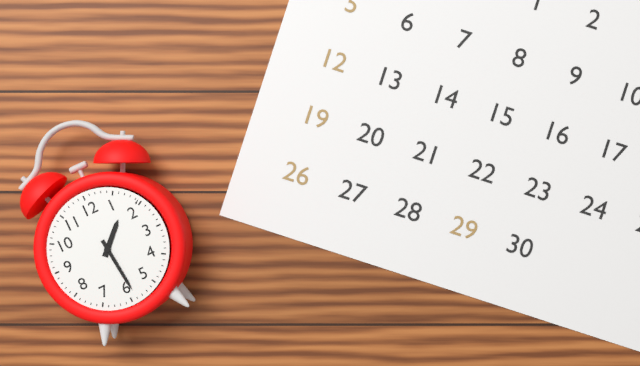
**1:29**
